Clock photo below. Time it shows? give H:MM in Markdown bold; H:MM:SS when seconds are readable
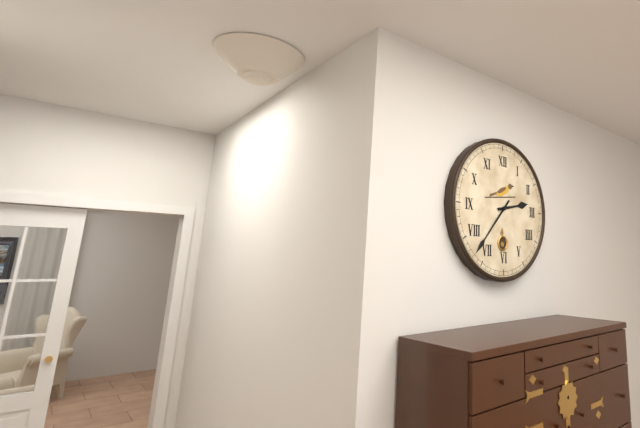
**2:37**
